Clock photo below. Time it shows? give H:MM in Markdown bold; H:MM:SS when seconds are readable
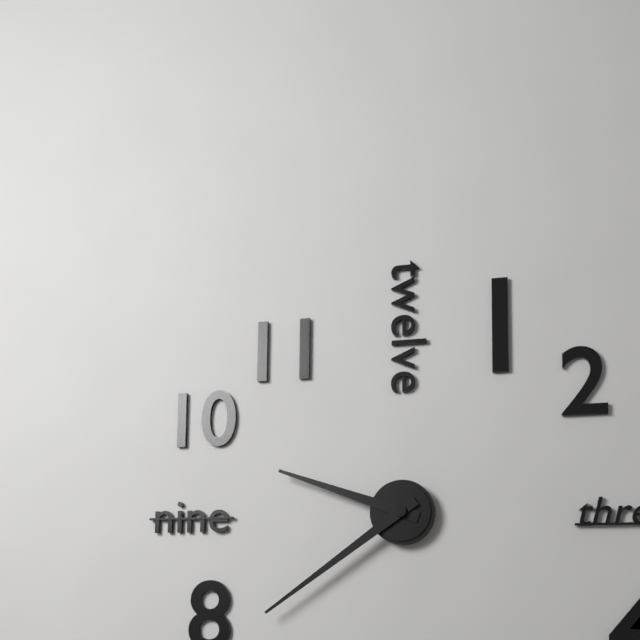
**9:39**
